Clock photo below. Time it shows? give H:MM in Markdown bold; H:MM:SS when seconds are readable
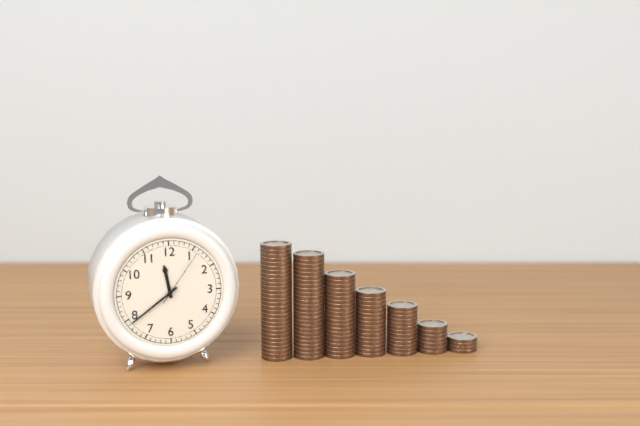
**11:39:06**
